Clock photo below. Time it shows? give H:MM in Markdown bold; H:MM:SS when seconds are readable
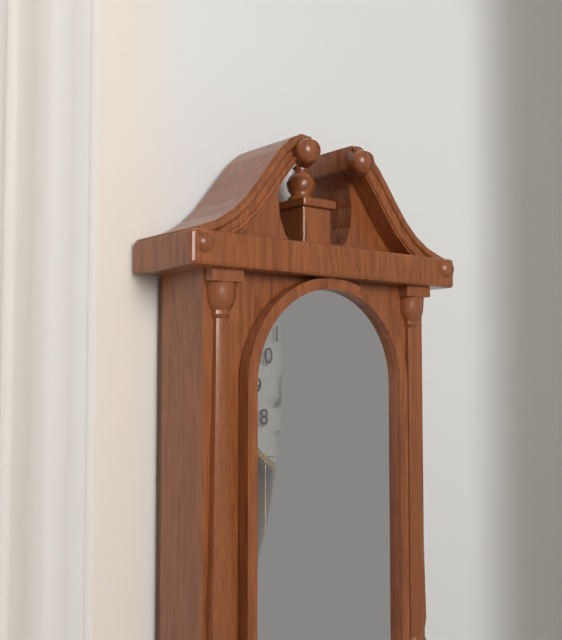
**8:11**
